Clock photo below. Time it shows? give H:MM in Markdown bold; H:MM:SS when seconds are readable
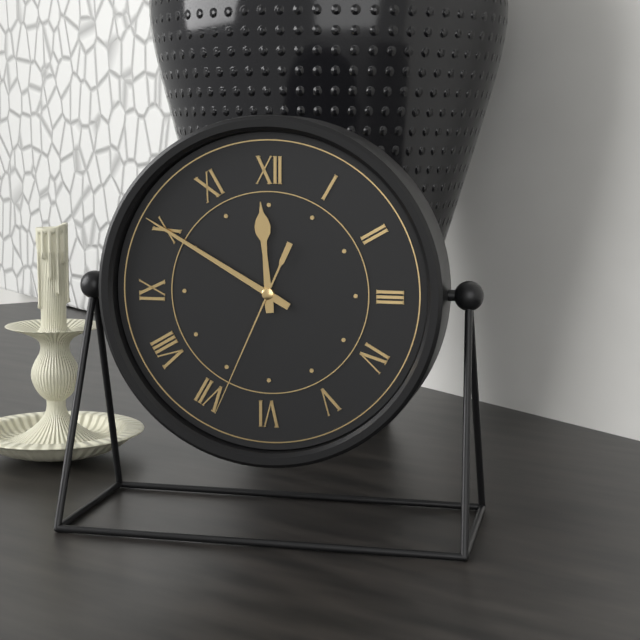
**11:50:34**
